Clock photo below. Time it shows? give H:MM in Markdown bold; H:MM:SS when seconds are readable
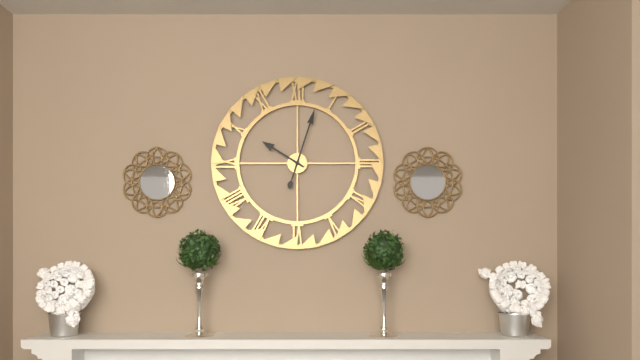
**10:03**
